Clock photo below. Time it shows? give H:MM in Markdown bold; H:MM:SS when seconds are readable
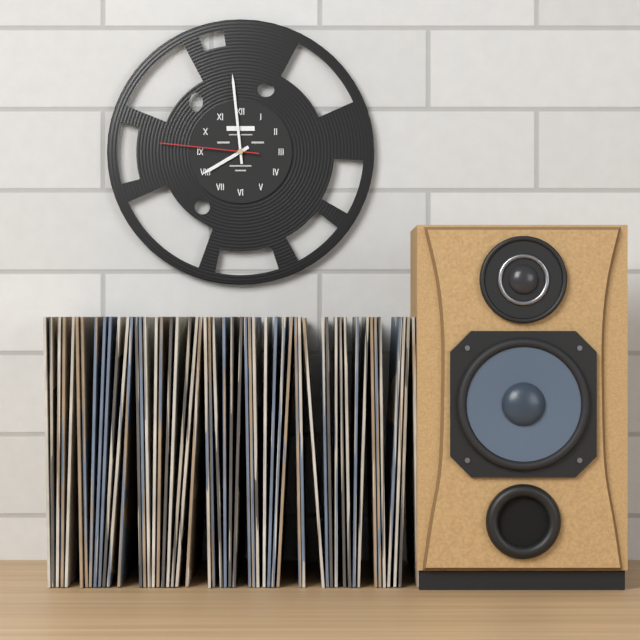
**7:59:46**
